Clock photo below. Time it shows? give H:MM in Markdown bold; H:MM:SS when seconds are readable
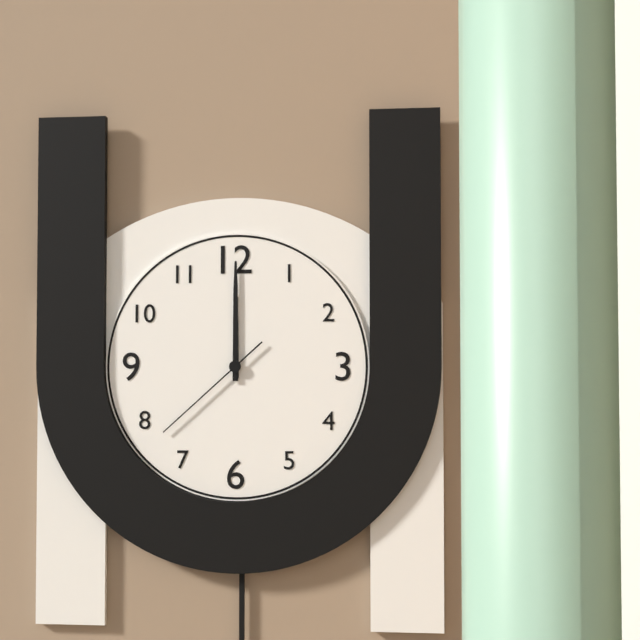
**12:00:38**
